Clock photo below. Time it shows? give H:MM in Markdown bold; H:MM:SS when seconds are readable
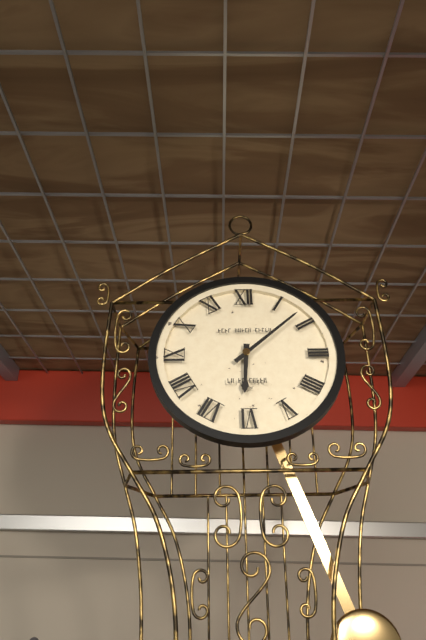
**6:08**
